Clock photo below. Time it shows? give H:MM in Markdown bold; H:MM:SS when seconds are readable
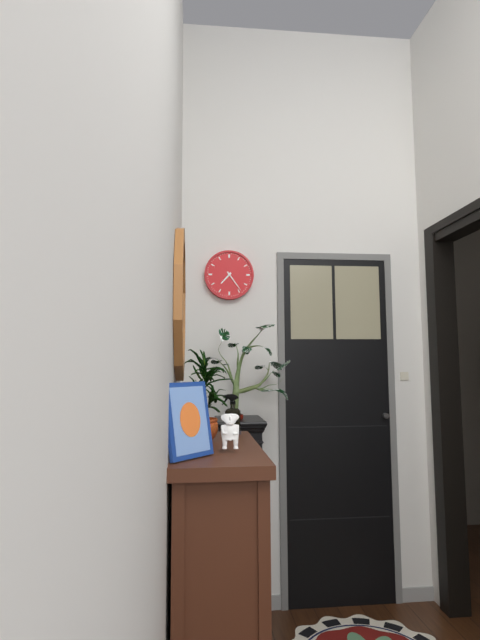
**7:24**
